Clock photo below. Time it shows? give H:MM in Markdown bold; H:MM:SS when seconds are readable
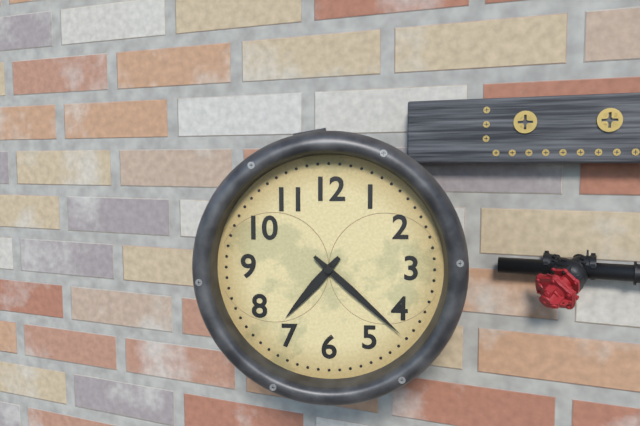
**7:22**
